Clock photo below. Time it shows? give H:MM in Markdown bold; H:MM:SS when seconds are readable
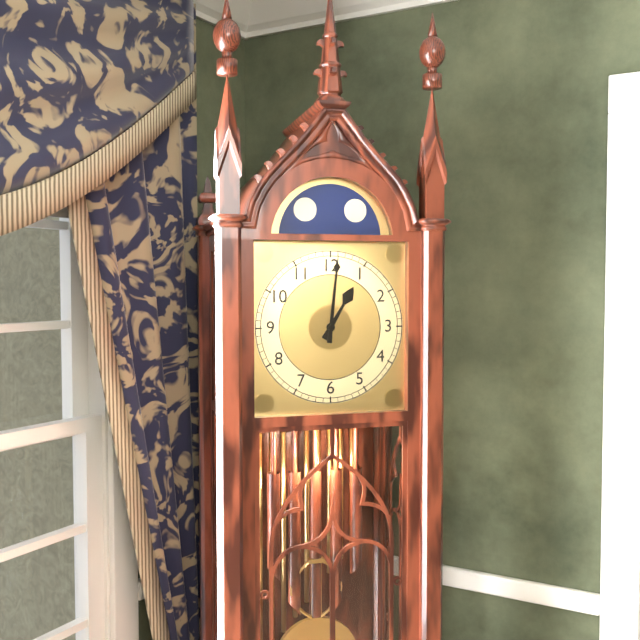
**1:01**
